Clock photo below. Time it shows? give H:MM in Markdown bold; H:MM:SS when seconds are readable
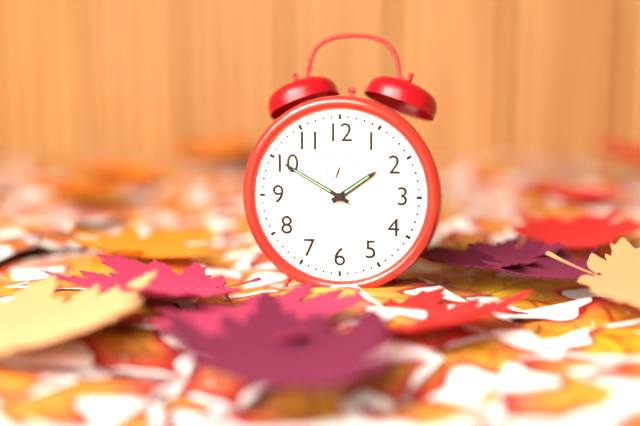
**1:50**
